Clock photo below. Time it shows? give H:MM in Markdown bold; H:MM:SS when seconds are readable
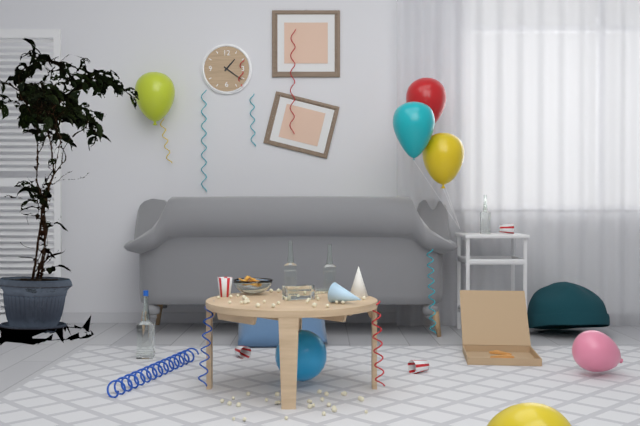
**1:21**
